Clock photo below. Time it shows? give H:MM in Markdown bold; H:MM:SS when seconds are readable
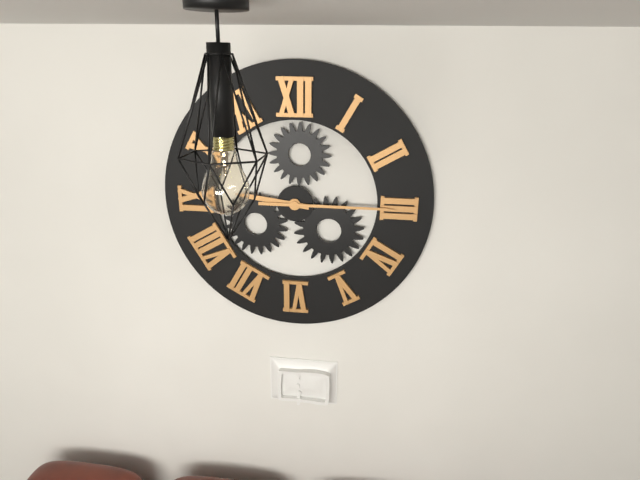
**9:15**
